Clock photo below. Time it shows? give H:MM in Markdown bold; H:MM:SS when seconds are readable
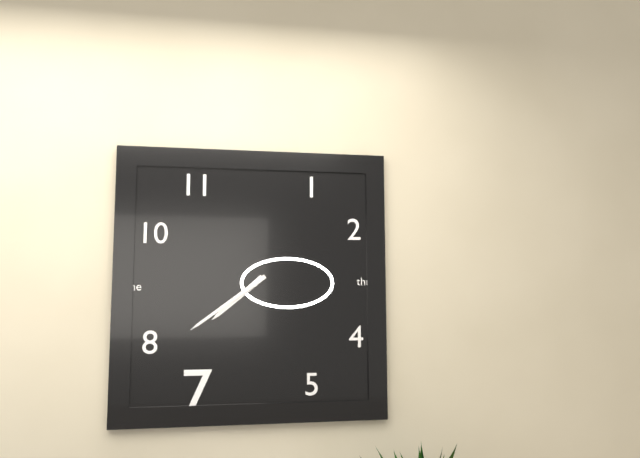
**7:39**
